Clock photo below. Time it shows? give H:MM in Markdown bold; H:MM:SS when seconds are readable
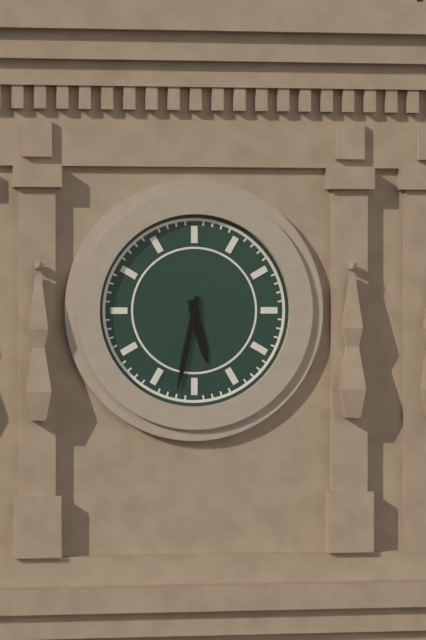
**5:32**
